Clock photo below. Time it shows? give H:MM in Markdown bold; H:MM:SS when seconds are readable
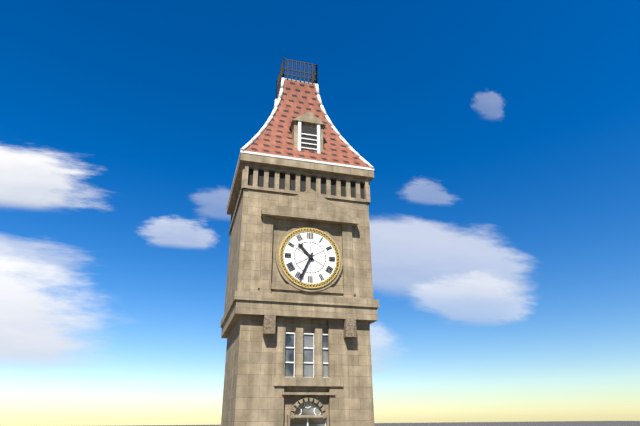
**10:34**
